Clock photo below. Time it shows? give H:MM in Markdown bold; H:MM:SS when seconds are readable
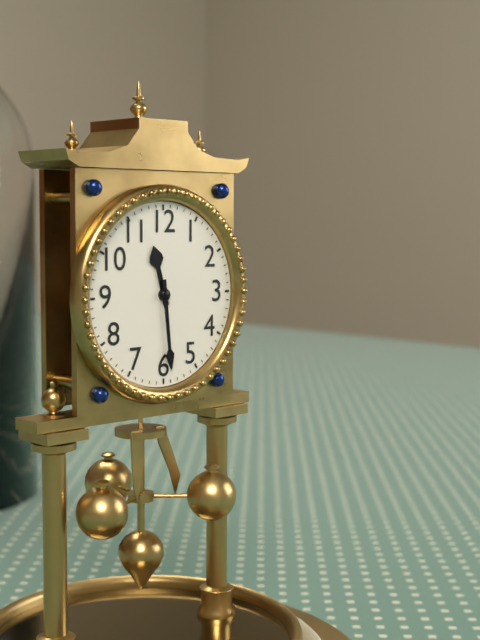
**11:29**
